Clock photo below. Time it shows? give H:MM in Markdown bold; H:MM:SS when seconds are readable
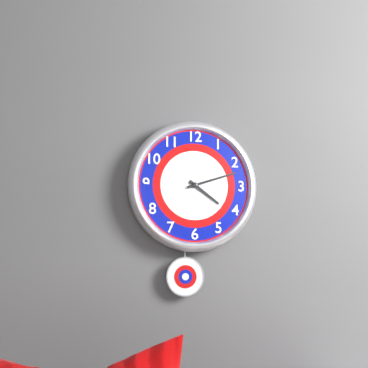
**4:12**
